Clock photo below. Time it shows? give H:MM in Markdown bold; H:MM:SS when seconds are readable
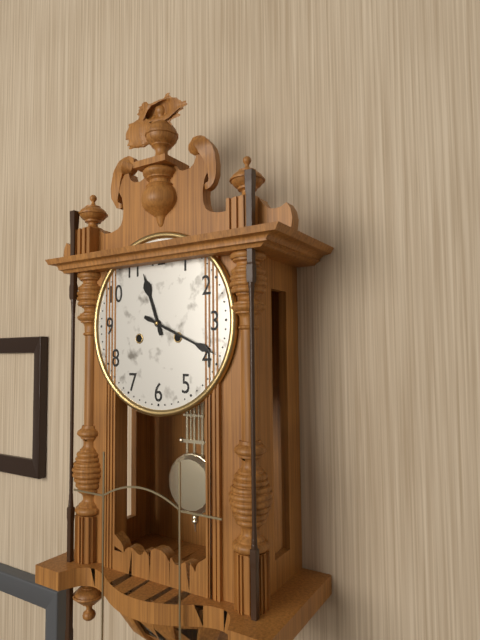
**11:19**
